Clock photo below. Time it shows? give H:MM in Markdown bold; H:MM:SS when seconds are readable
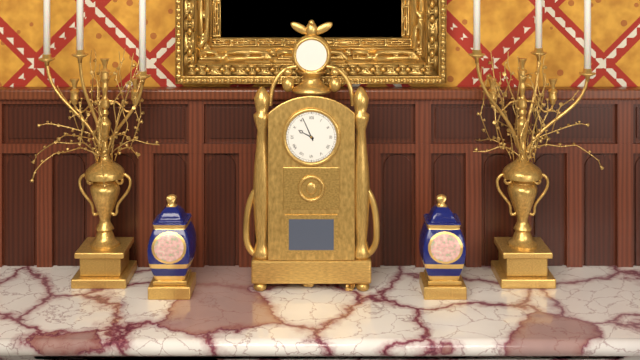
**9:56**
